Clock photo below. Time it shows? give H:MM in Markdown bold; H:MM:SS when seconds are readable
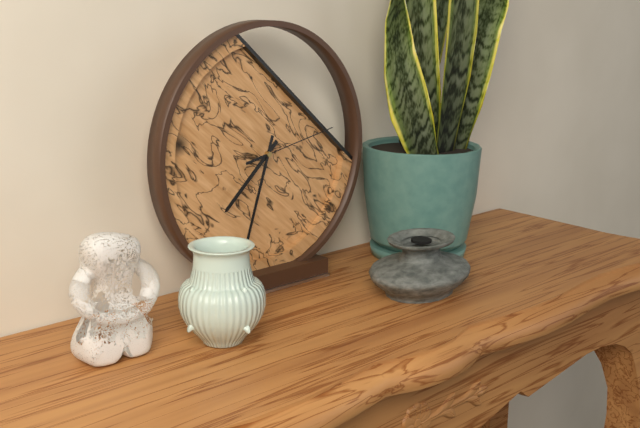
**7:33:13**
